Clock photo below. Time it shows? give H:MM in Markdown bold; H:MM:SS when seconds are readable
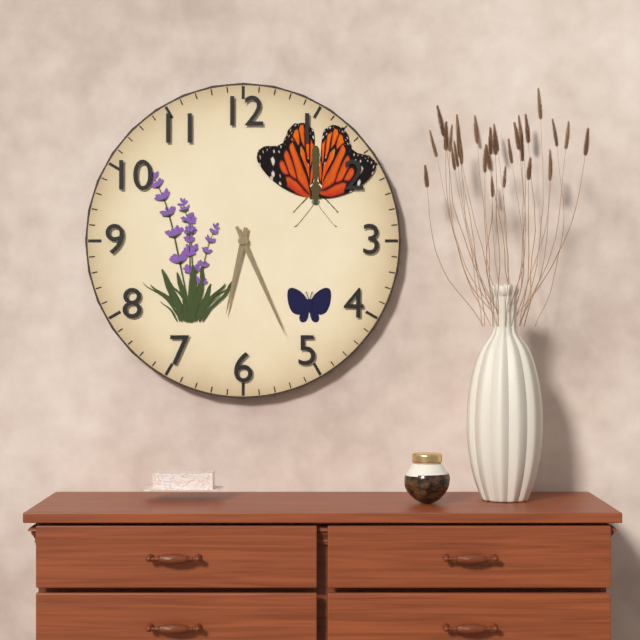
**6:26**
